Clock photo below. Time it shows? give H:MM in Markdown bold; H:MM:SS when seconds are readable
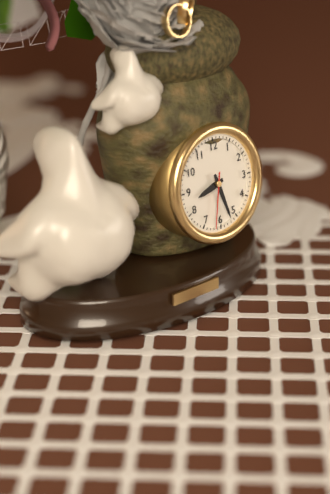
**8:27:32**
